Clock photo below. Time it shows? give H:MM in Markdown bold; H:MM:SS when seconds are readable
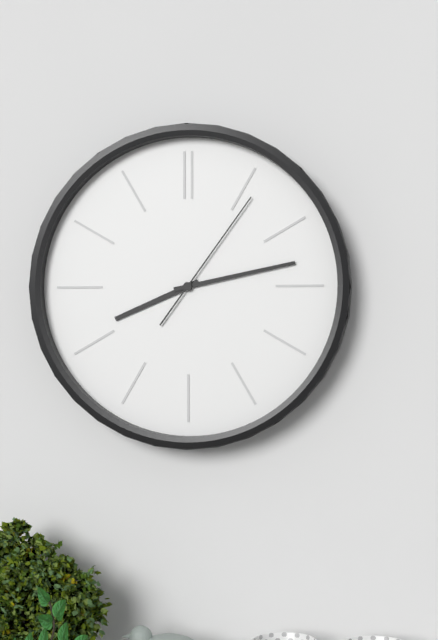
**8:13:06**
